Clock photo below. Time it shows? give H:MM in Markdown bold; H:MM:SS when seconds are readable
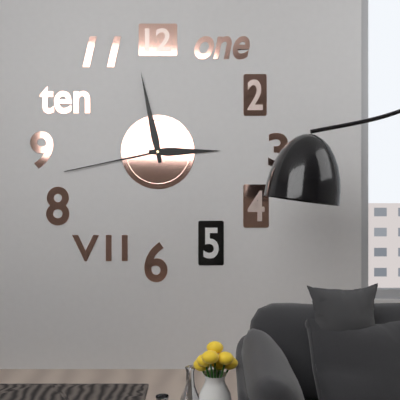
**2:58:43**
